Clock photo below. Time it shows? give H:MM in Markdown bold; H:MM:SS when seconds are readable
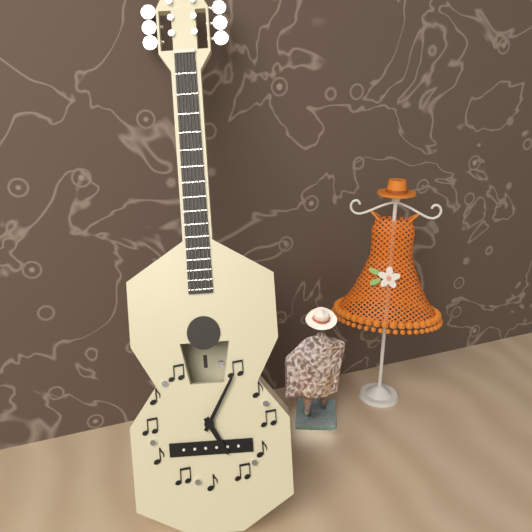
**5:05**
